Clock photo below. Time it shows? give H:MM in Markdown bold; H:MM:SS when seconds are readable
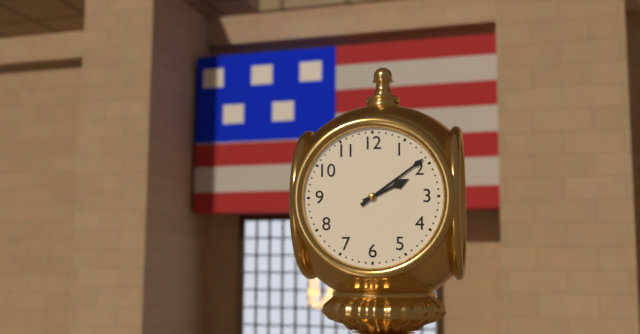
**2:09**
